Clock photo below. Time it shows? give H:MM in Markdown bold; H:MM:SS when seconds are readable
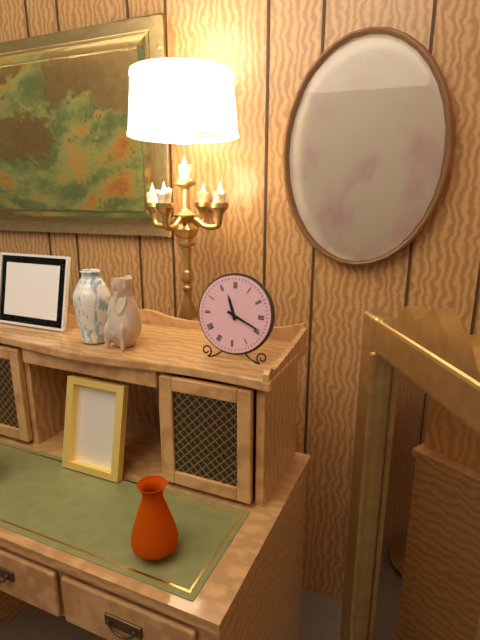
**11:19**
